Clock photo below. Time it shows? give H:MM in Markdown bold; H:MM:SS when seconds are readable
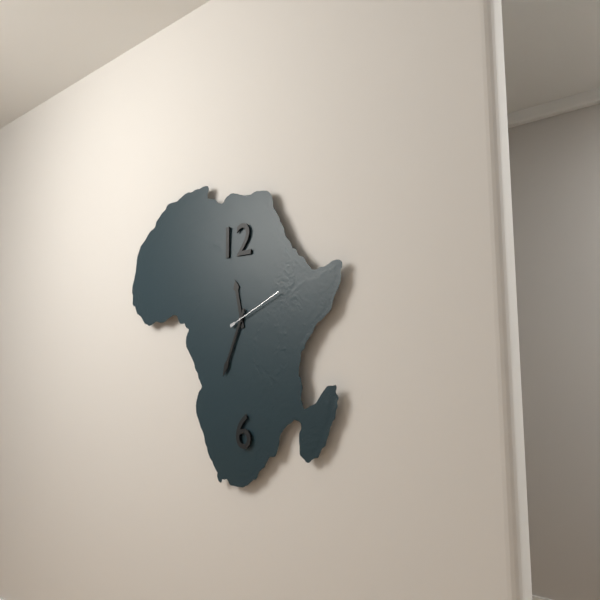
**11:34:11**
